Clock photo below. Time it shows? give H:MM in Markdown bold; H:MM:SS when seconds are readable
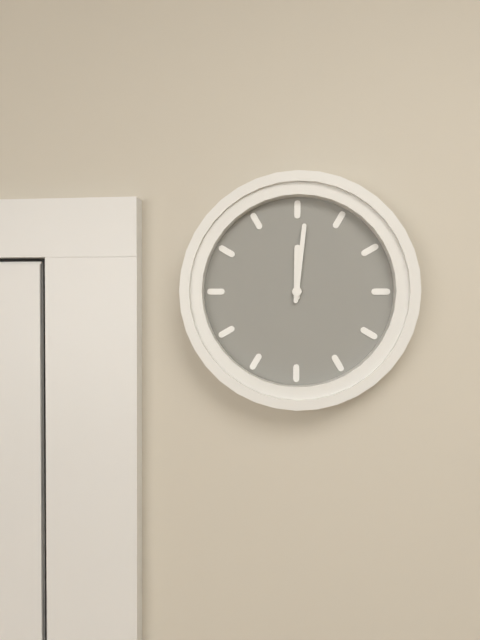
**12:01**
